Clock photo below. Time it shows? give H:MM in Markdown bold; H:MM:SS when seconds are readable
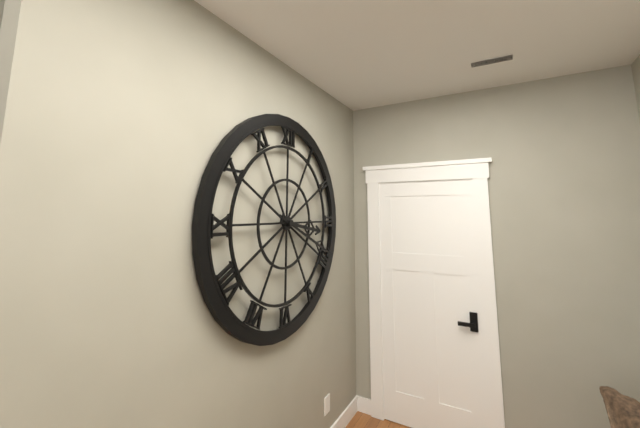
**3:19**
